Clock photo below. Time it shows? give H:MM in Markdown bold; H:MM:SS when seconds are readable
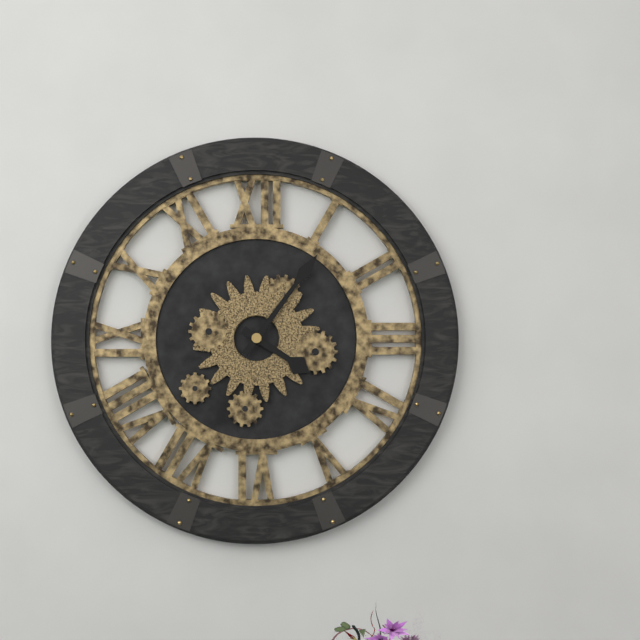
**4:06**
